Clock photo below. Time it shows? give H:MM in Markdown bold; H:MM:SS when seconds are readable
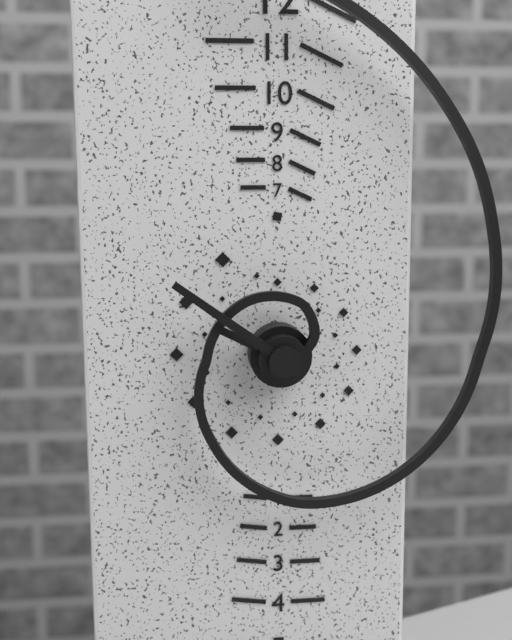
**9:51**
